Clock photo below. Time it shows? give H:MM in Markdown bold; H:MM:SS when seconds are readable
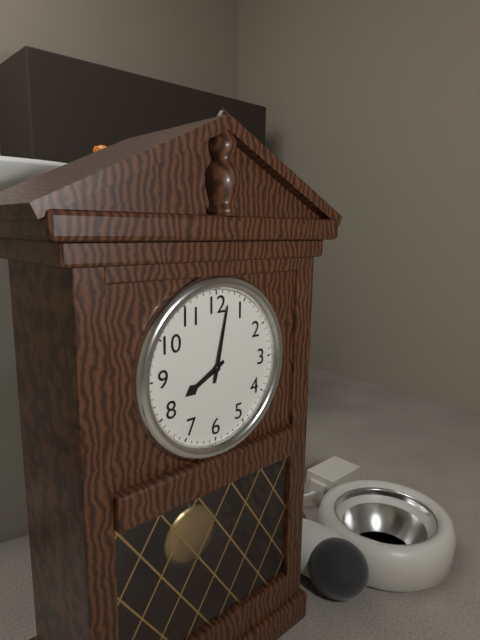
**8:02**
